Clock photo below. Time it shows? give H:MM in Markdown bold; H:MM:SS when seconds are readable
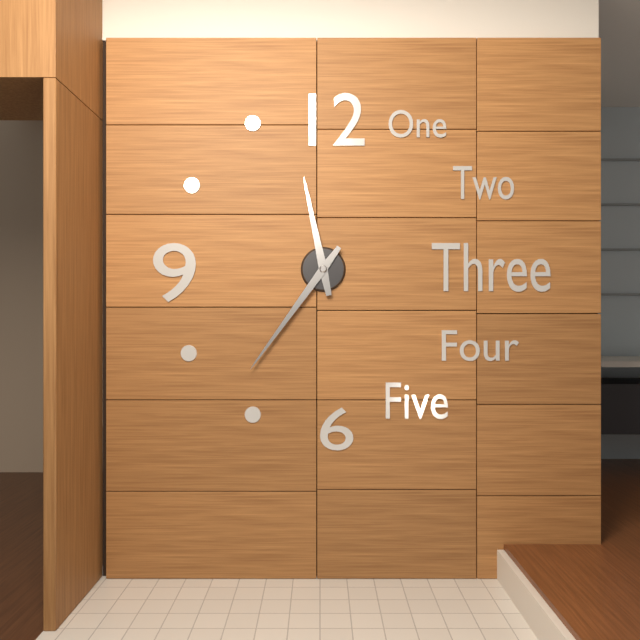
**11:36**
